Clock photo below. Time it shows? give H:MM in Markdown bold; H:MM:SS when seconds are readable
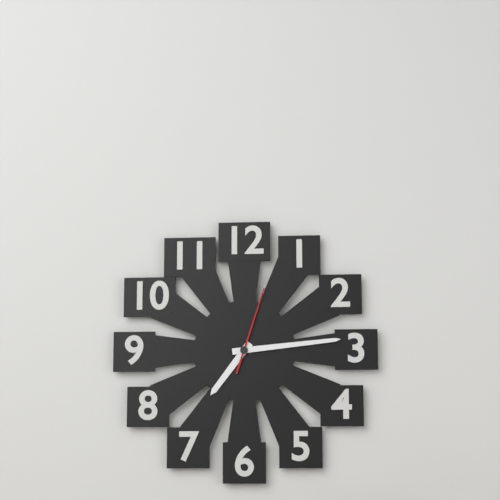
**7:14:03**
